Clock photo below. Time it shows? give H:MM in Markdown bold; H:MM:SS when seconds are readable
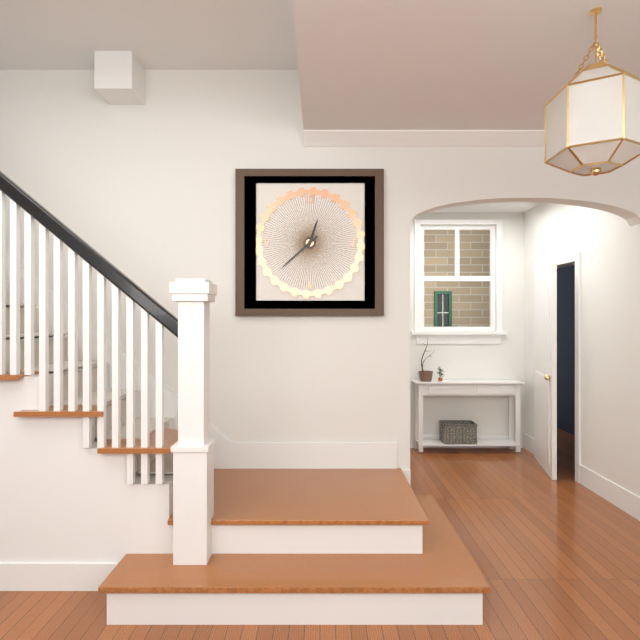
**12:38**
